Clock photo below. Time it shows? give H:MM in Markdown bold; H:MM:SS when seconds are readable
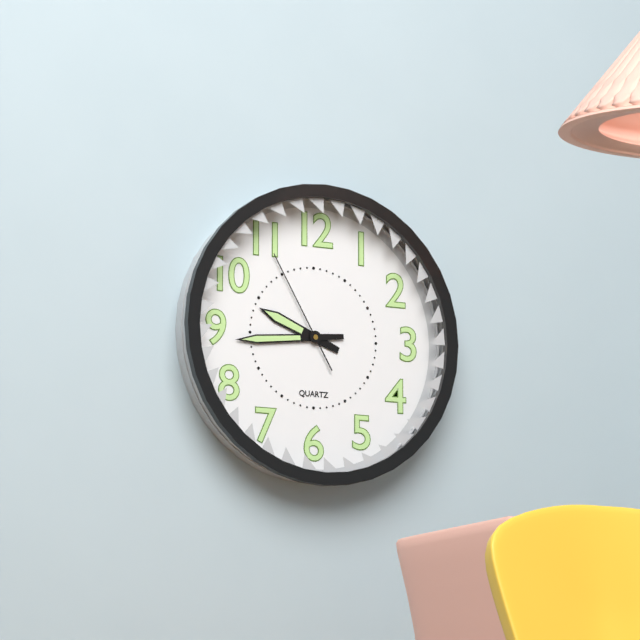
**9:44:55**
